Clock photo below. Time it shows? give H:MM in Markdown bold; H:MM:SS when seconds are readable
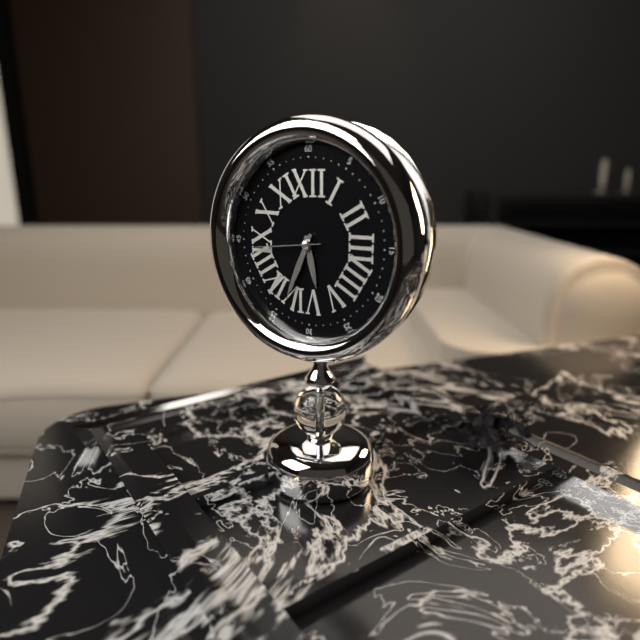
**5:34:44**
